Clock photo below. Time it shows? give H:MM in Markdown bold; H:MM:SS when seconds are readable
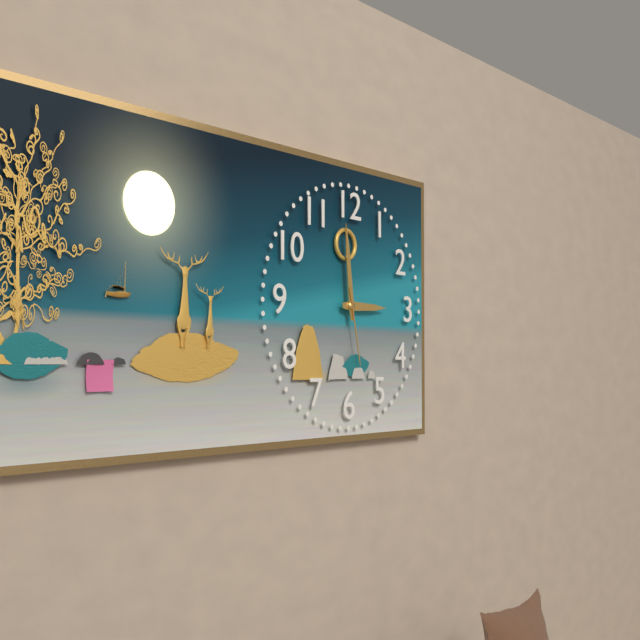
**2:59:28**
